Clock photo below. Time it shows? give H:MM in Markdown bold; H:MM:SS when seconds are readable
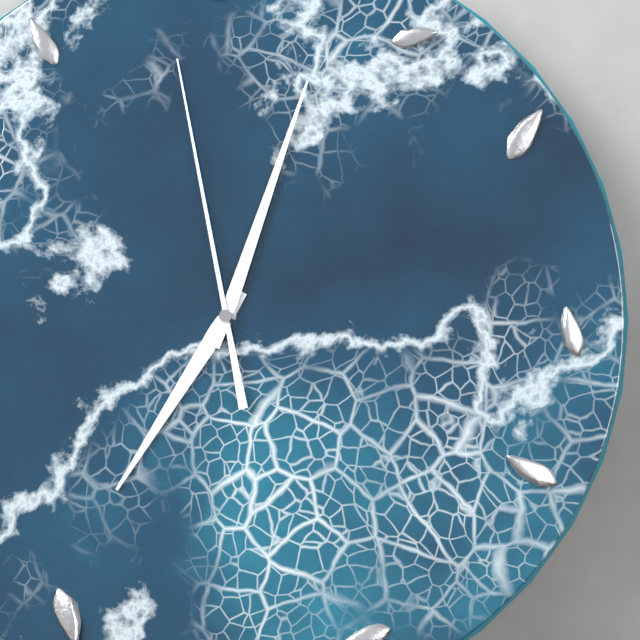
**7:03:58**
